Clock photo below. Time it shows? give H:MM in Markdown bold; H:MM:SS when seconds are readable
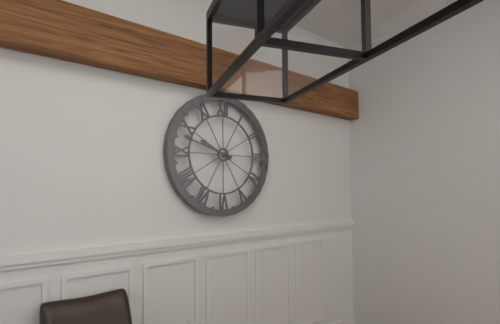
**9:48**
